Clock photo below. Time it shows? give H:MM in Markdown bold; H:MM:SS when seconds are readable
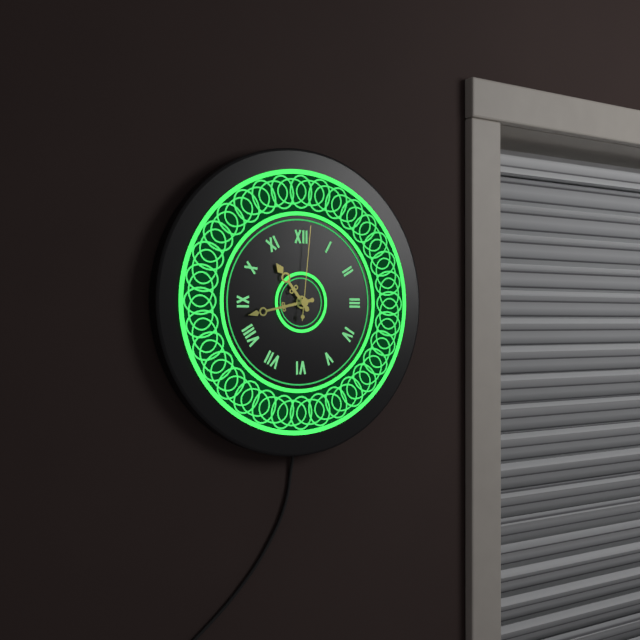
**10:43:01**
